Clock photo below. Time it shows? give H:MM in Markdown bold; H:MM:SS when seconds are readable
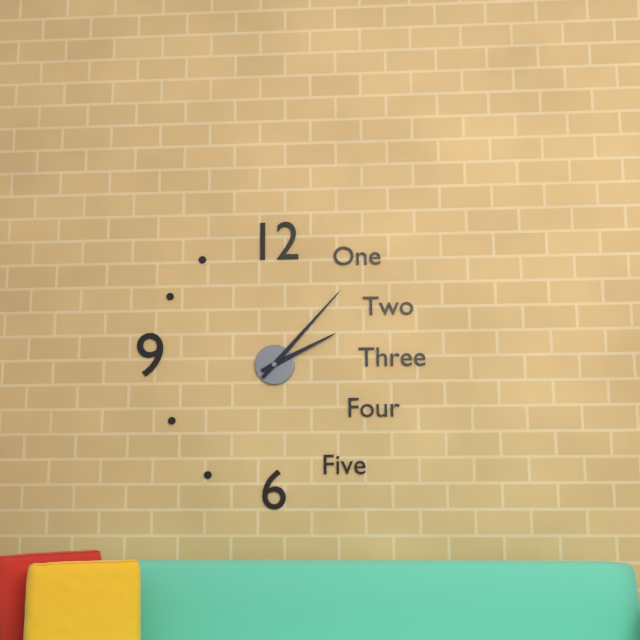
**2:07**
